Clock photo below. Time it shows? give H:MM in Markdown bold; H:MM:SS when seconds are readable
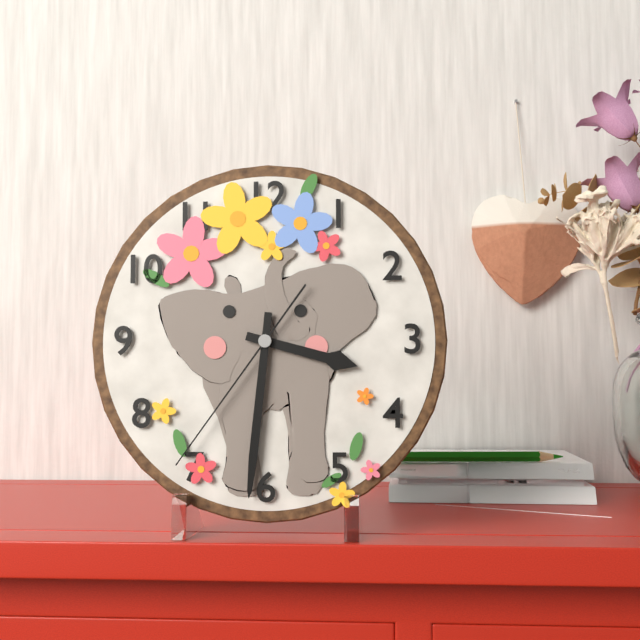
**3:31:36**
